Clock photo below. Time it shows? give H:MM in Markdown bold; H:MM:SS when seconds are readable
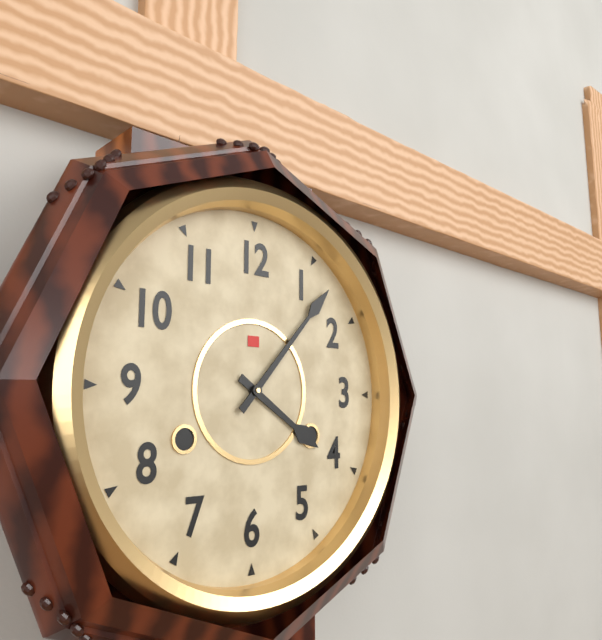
**4:07**
